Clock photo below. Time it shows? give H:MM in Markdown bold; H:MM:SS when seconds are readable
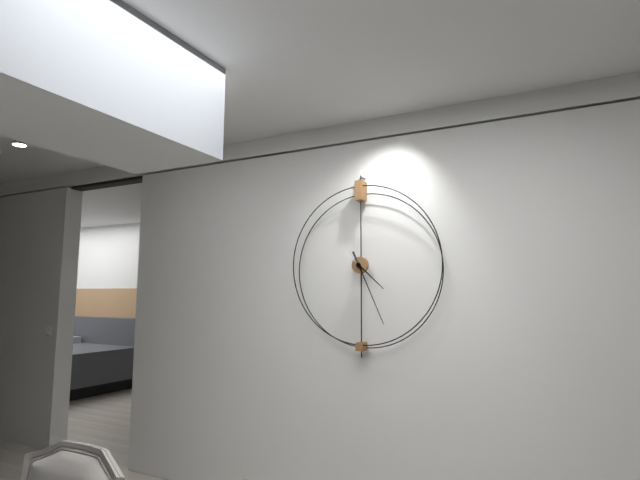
**4:26**
